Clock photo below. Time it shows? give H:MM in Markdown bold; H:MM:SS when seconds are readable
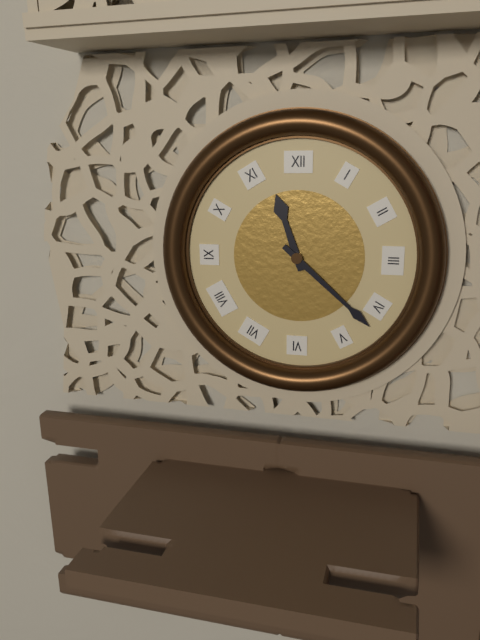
**11:22**
